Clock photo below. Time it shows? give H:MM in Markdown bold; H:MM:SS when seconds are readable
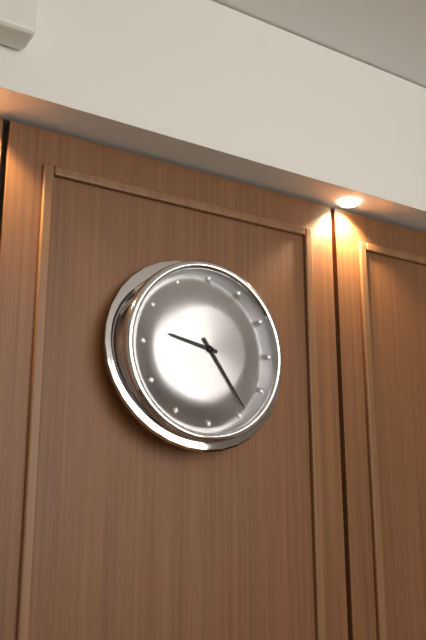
**9:24**
